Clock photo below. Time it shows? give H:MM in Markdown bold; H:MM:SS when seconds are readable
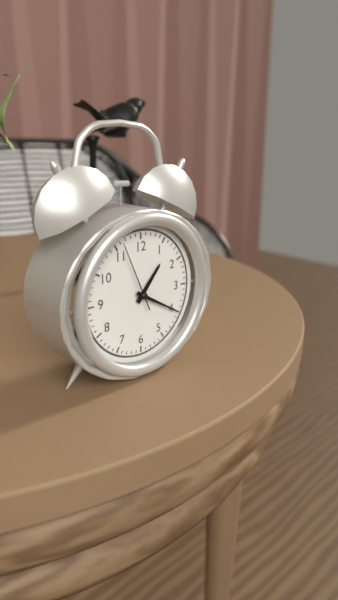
**1:20:56**
